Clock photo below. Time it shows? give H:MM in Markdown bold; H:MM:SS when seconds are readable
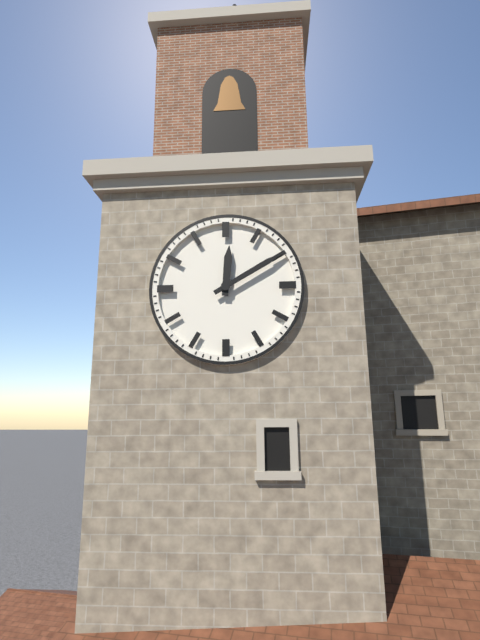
**12:10**
